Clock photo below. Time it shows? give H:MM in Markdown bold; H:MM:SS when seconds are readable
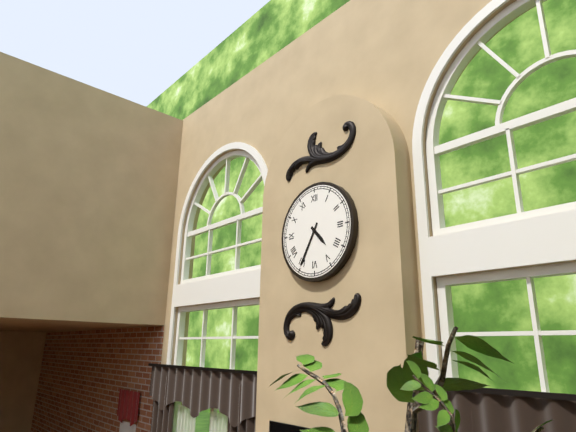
**4:35**
